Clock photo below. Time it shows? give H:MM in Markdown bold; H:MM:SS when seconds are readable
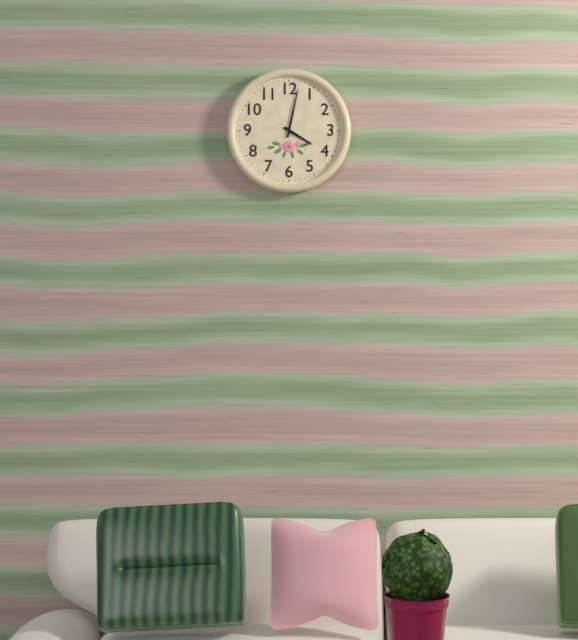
**4:02**
